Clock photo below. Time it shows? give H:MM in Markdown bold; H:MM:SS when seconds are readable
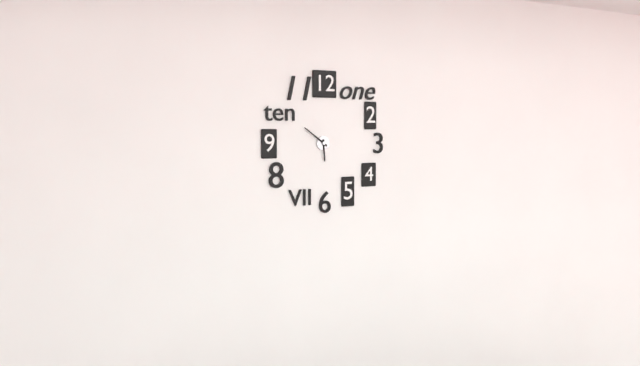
**5:51**
